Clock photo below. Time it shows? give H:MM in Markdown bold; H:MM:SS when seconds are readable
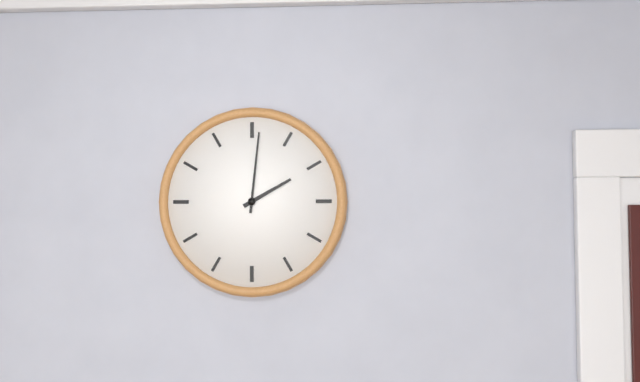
**2:01**
